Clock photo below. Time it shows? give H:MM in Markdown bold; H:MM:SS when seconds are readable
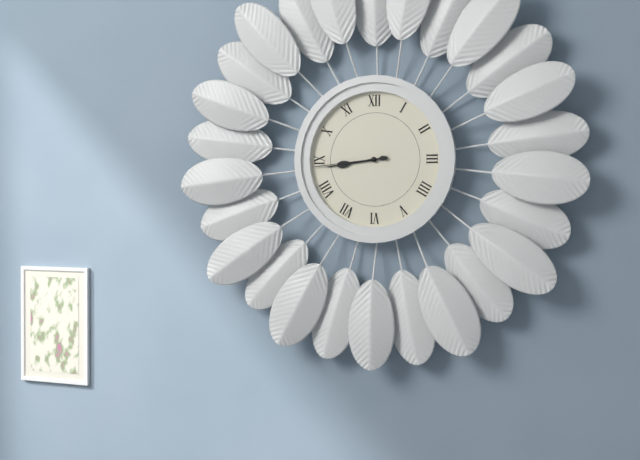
**8:44**
